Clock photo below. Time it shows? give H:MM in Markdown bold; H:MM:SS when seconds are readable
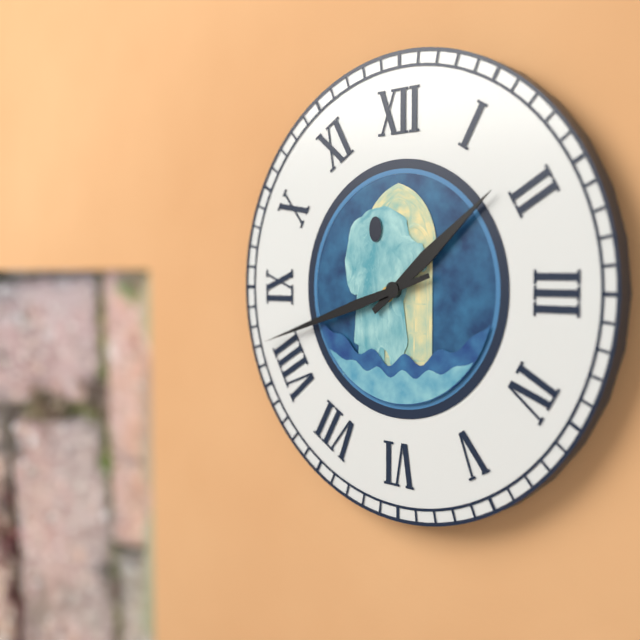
**1:42**
